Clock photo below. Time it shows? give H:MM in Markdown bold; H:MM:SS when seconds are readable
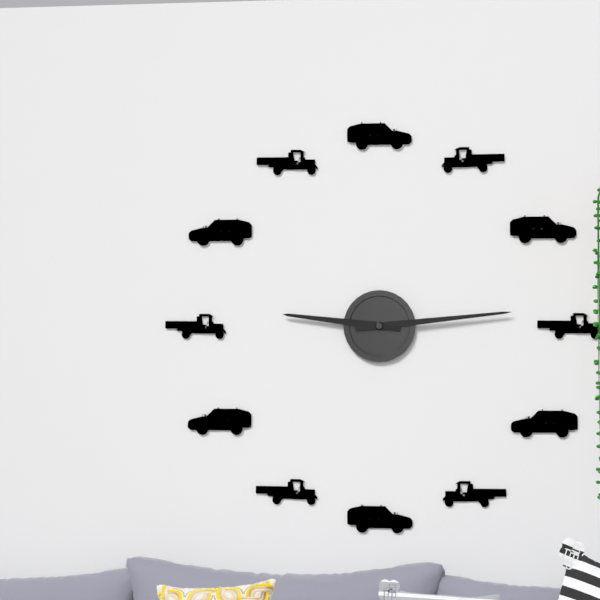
**9:14**
